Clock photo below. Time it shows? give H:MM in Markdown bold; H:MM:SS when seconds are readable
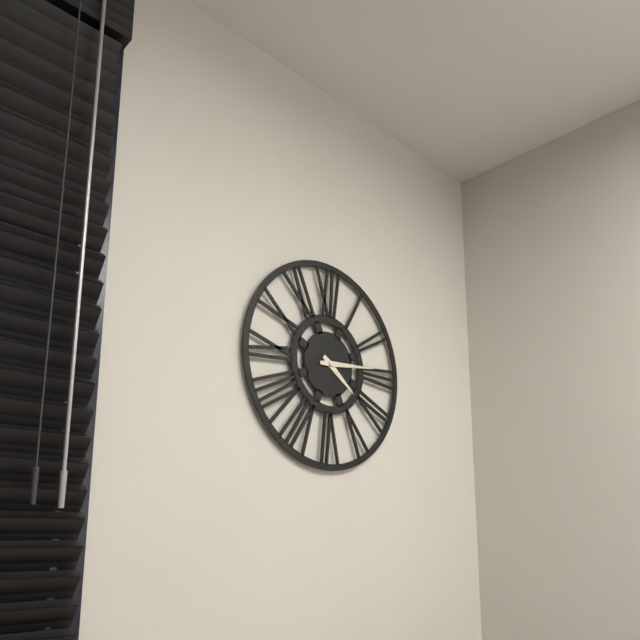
**4:14**
